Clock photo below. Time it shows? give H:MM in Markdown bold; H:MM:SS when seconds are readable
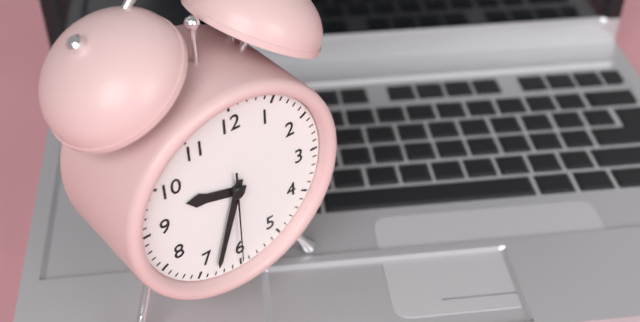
**9:33:30**
